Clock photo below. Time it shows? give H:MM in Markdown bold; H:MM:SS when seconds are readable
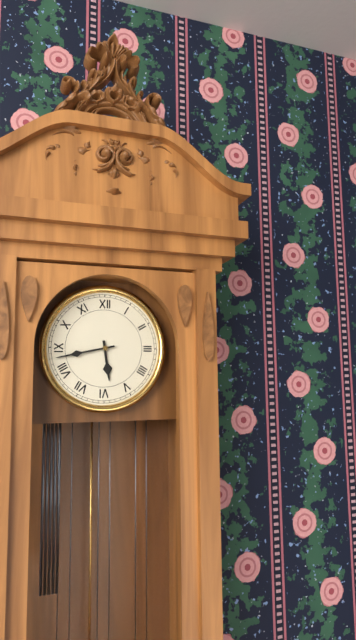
**5:43**
